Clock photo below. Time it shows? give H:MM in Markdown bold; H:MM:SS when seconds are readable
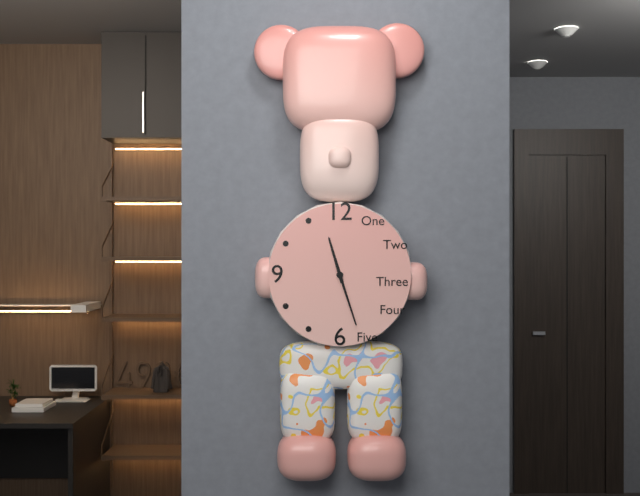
**11:27**
